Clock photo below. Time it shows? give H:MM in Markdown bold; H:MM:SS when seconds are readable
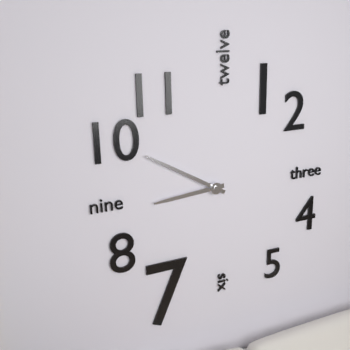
**8:50**
